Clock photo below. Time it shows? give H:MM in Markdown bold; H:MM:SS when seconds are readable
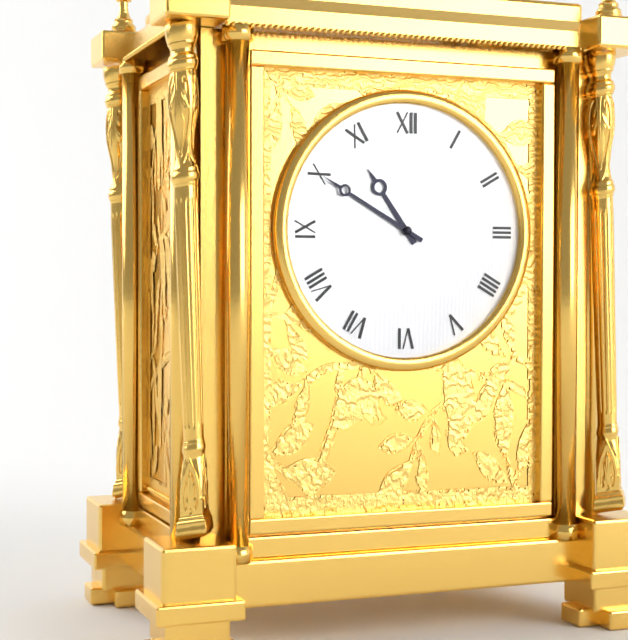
**10:50**
